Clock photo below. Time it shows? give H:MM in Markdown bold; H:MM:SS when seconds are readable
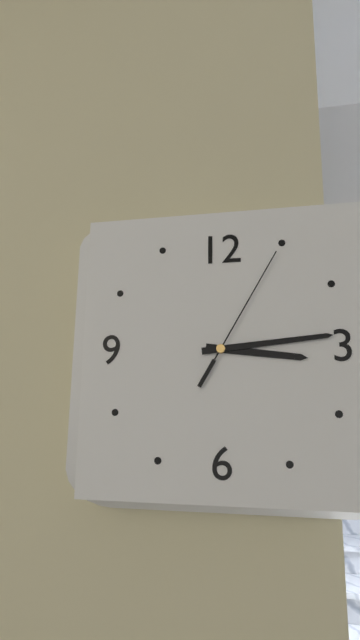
**3:14:05**
